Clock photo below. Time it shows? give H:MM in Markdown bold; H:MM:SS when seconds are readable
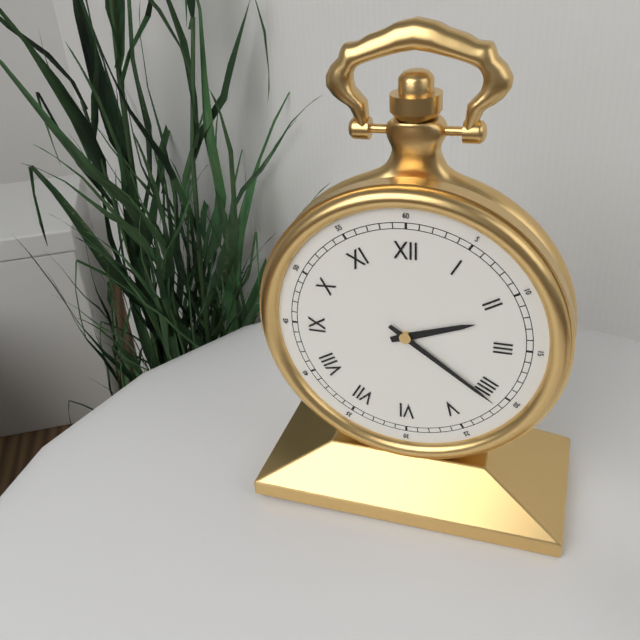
**2:21**
